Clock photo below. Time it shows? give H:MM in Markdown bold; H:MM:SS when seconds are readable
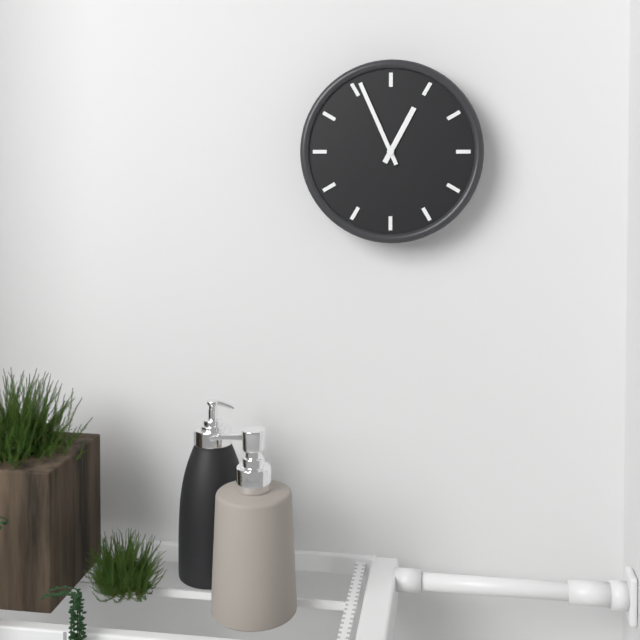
**12:56**
